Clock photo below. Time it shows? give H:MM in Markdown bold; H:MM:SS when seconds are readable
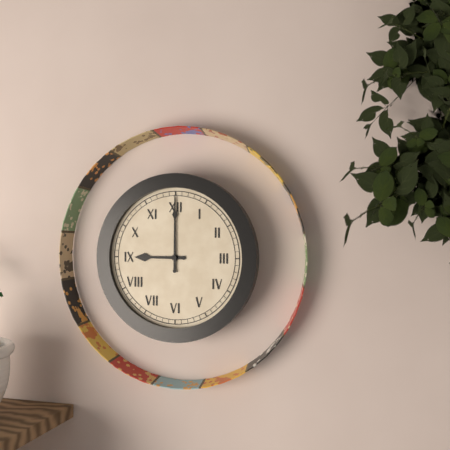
**9:00**
